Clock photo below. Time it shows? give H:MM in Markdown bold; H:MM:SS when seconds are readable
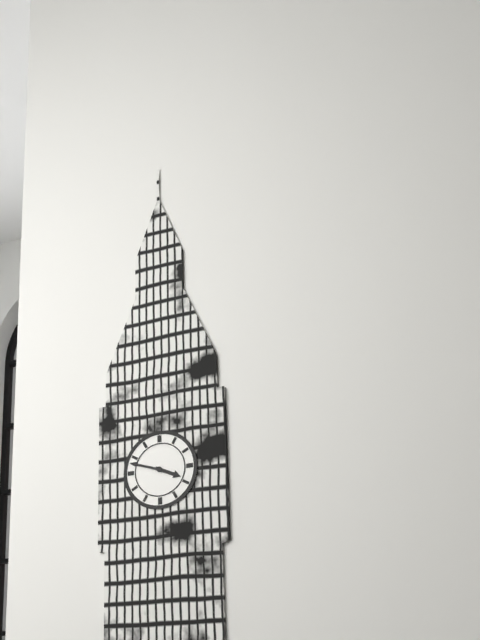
**3:48**
